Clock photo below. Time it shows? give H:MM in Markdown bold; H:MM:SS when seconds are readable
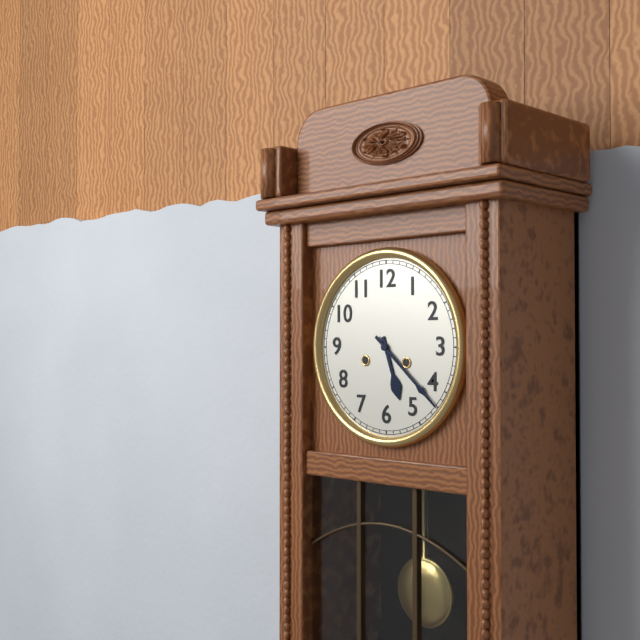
**5:22**
